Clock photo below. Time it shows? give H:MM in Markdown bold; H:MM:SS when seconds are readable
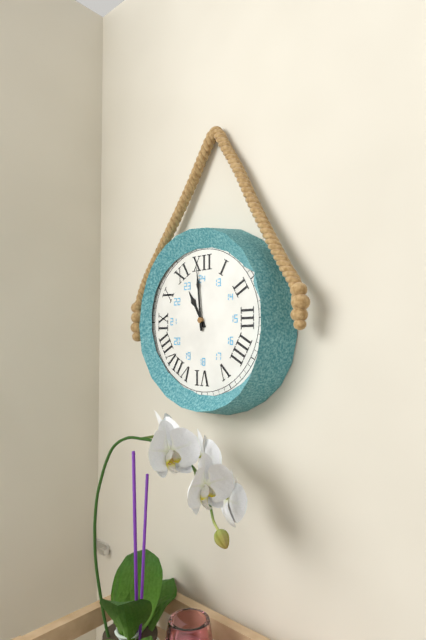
**10:59**
